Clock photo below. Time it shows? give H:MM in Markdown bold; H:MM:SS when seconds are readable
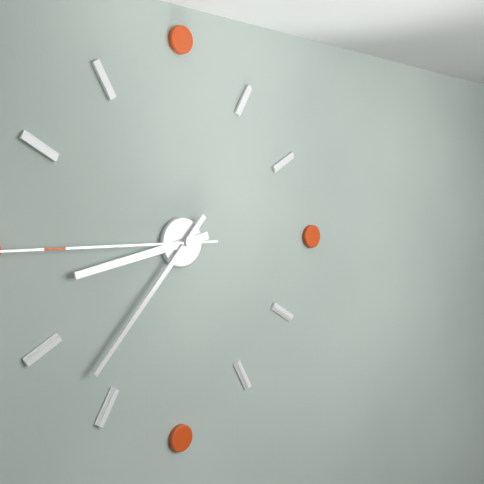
**8:37**
